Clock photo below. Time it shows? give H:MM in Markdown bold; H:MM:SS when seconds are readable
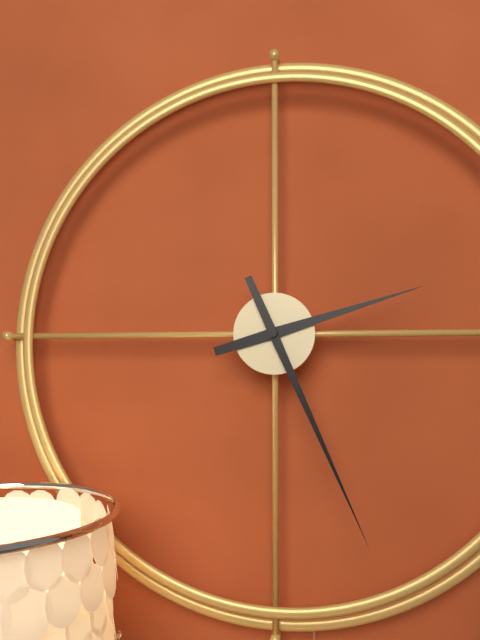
**2:26**
